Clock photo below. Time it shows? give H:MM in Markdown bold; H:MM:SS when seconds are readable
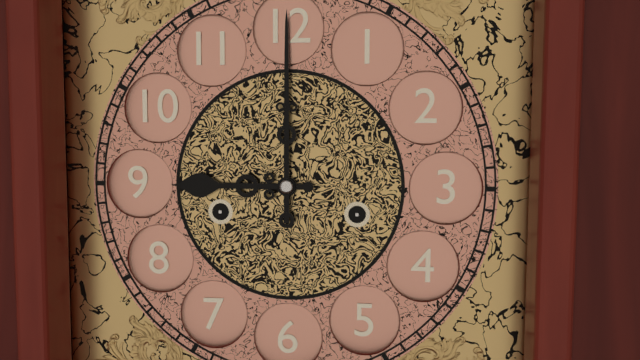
**9:00**
